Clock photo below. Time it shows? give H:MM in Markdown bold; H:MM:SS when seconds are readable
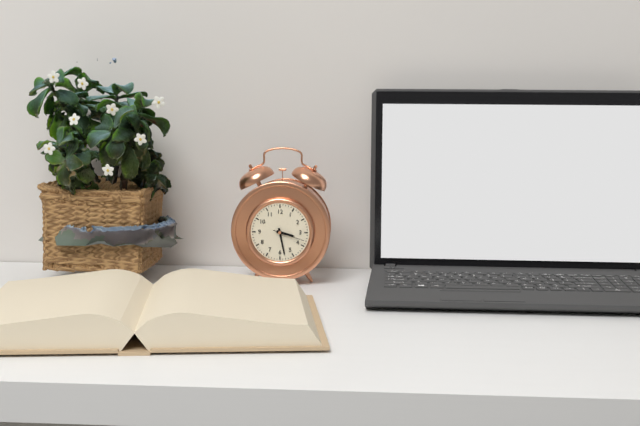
**3:28**
